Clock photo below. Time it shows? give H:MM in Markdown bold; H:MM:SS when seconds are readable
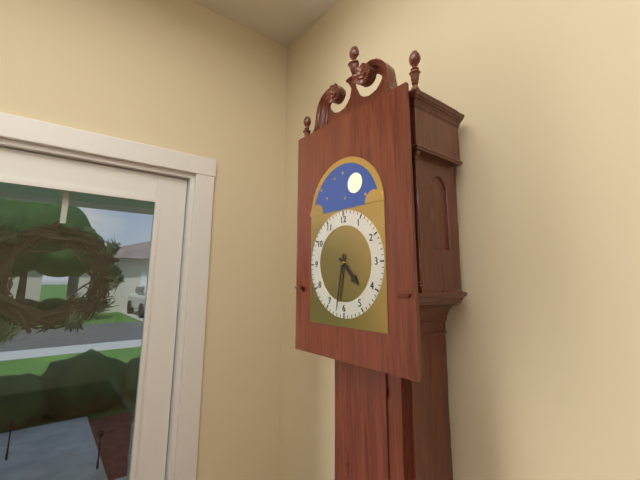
**4:32**
